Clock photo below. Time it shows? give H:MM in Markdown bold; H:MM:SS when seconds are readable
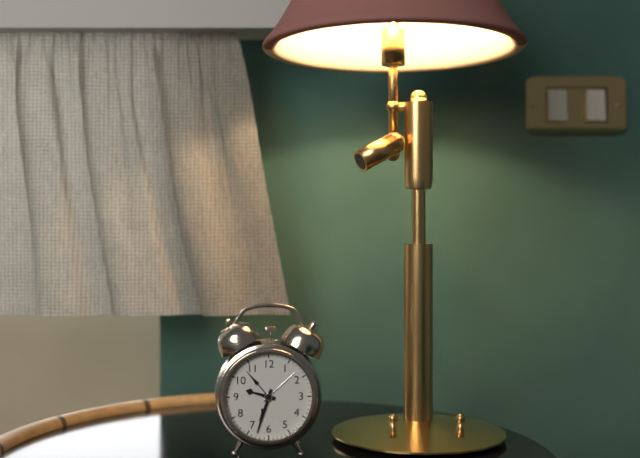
**9:33**
